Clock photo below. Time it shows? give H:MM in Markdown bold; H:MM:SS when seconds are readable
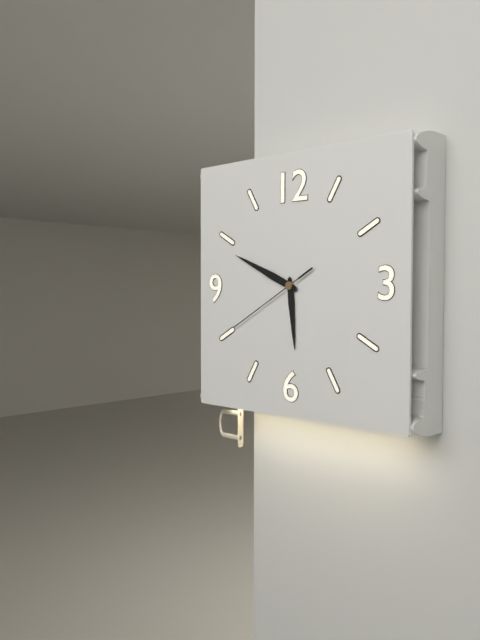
**5:49:40**
